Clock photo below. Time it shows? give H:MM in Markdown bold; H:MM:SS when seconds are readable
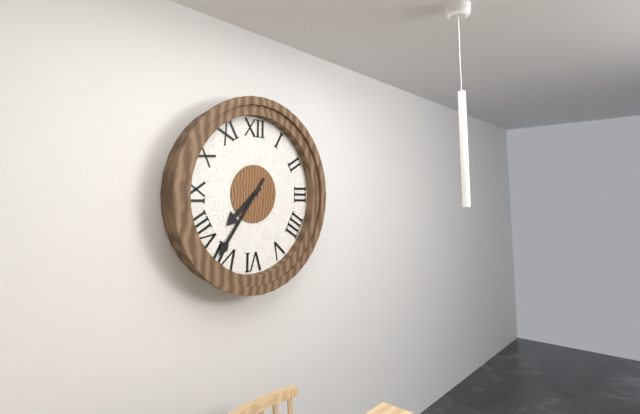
**7:36**
